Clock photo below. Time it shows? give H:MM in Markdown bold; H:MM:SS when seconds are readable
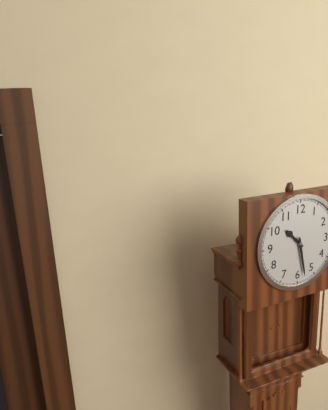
**10:28**
